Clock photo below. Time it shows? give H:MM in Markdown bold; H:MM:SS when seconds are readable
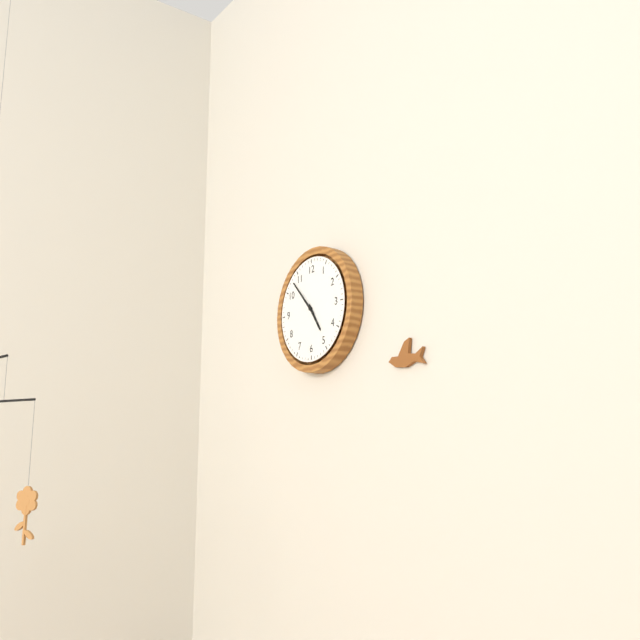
**4:53**
